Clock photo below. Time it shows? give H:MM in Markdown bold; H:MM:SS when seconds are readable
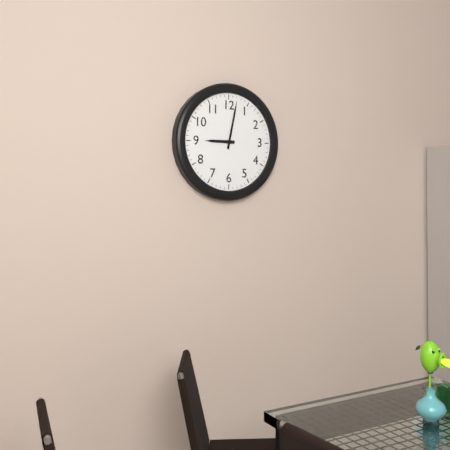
**9:02**
